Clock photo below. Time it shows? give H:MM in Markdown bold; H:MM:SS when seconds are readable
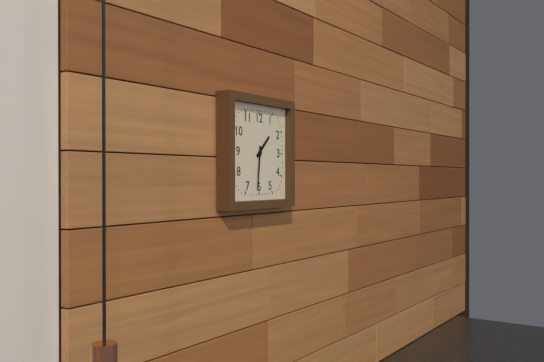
**1:31**
